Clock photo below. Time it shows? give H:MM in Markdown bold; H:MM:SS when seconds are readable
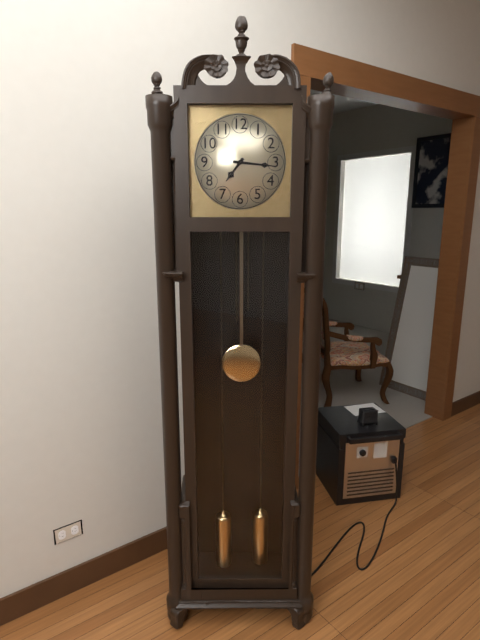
**7:16**
